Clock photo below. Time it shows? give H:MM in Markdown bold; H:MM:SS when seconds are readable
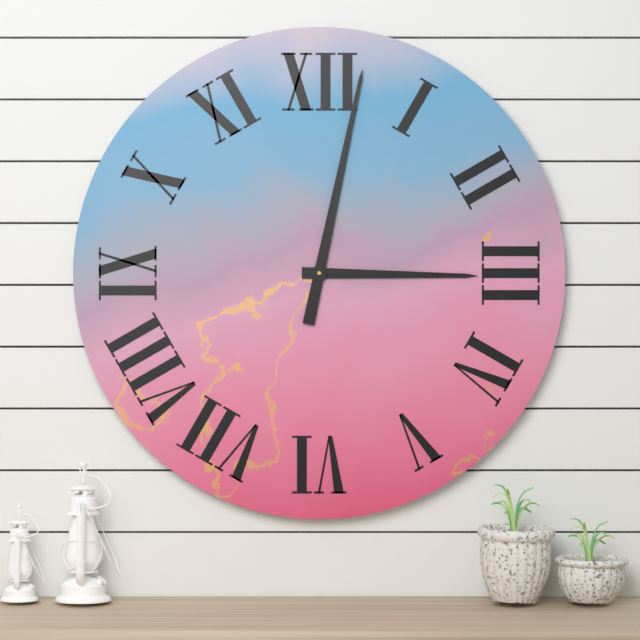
**3:02**
